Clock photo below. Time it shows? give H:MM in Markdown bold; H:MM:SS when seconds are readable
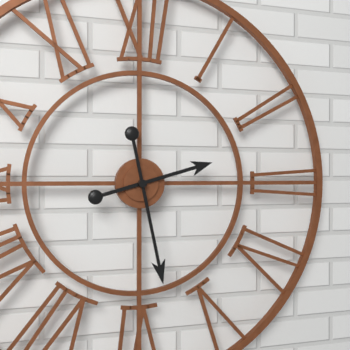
**2:28**
